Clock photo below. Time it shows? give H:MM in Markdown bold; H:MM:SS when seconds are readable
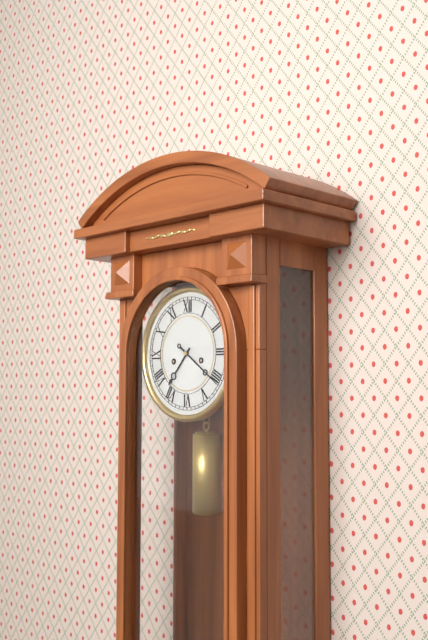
**7:21**
